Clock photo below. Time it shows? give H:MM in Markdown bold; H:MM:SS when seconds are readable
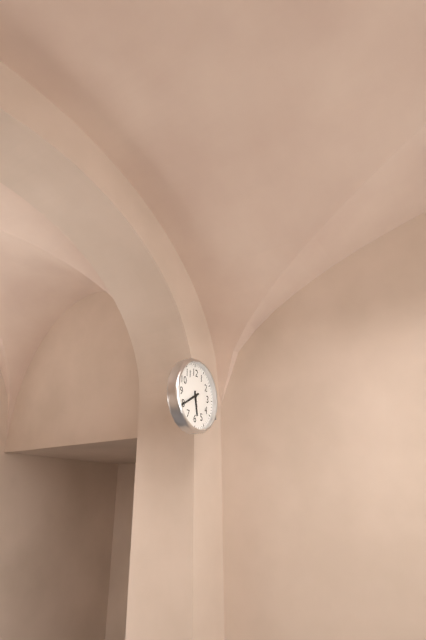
**5:40**
